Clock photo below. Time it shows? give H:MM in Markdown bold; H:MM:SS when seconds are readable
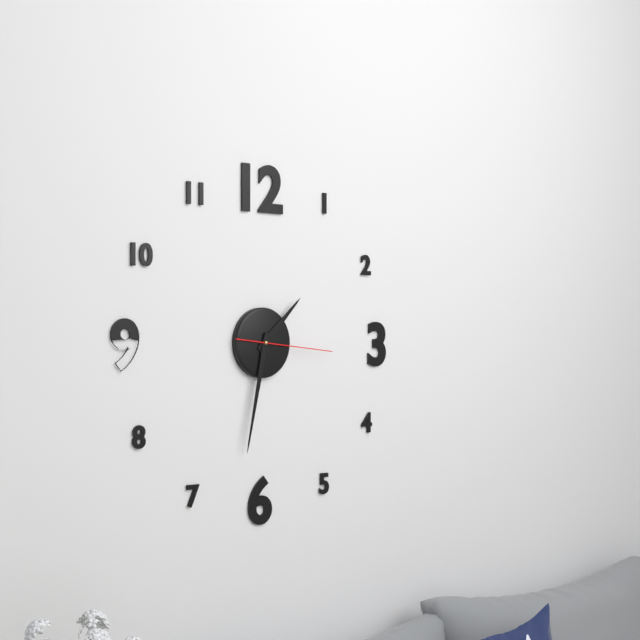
**1:32:16**
